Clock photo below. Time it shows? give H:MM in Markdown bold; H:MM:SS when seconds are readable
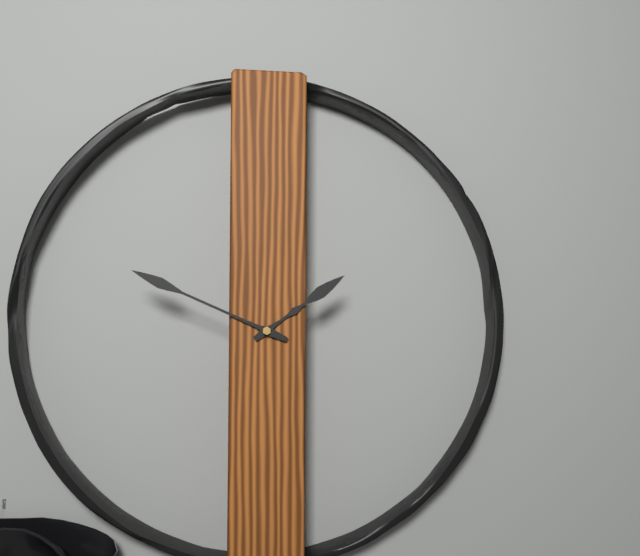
**1:49**
